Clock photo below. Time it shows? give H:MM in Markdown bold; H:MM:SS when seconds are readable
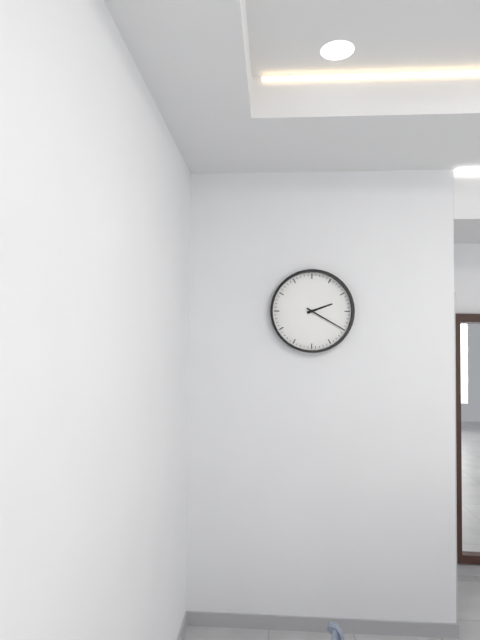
**2:20**
